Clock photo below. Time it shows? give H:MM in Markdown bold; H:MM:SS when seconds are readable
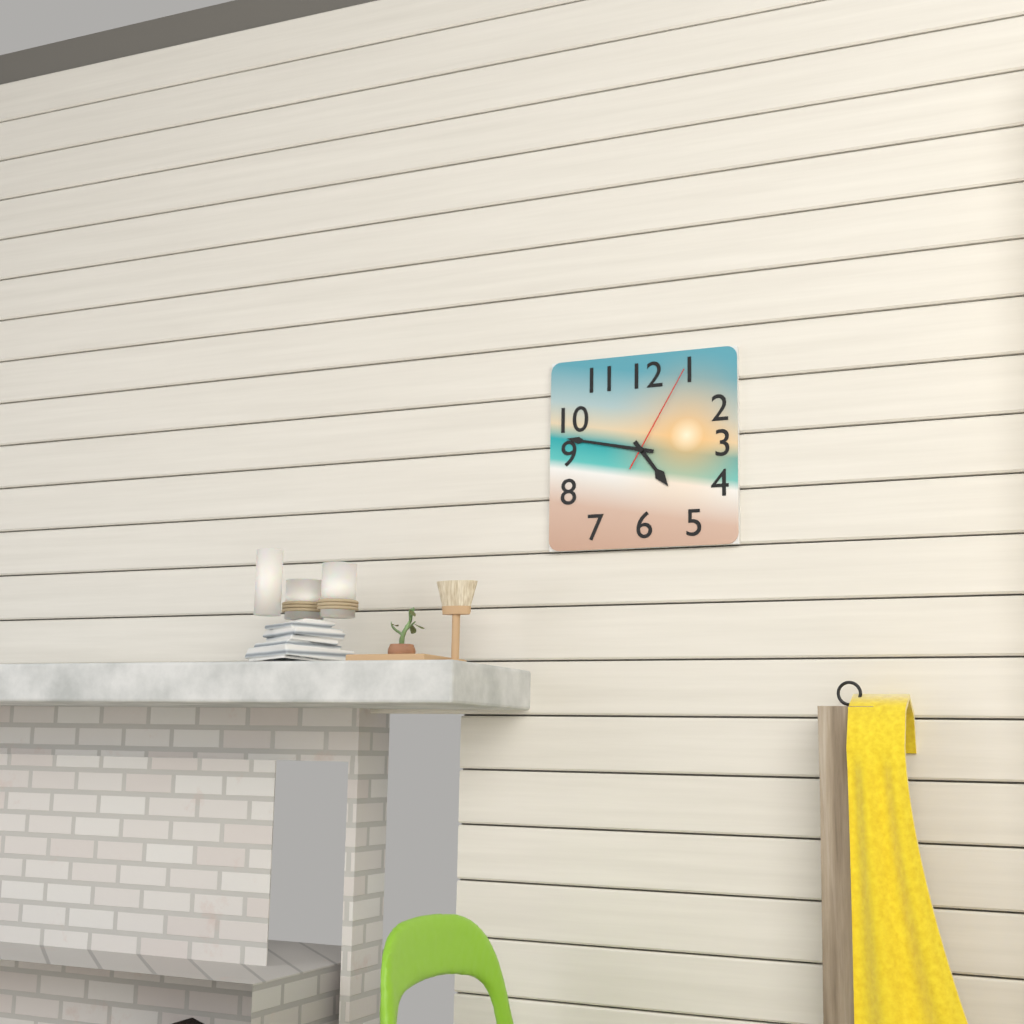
**4:47:05**
